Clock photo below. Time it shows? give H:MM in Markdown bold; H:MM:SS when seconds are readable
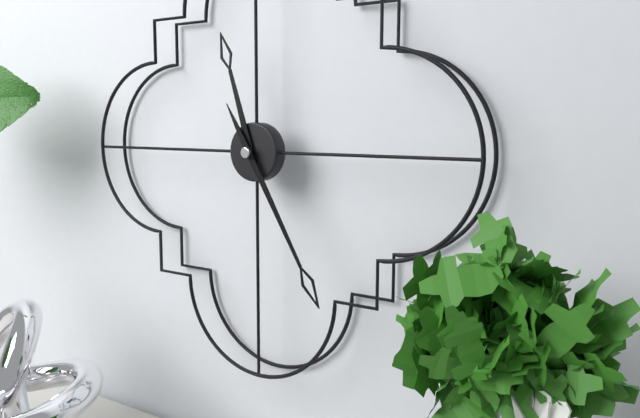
**11:25**
